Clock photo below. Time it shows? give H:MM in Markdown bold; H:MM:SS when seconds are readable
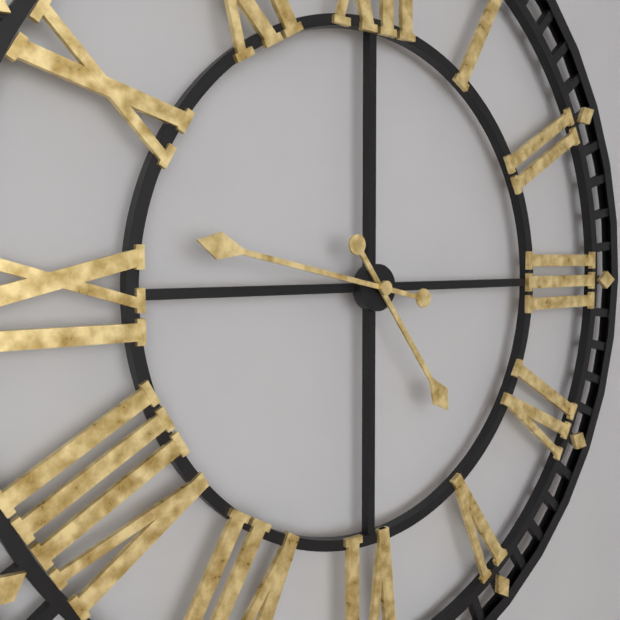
**4:47**
